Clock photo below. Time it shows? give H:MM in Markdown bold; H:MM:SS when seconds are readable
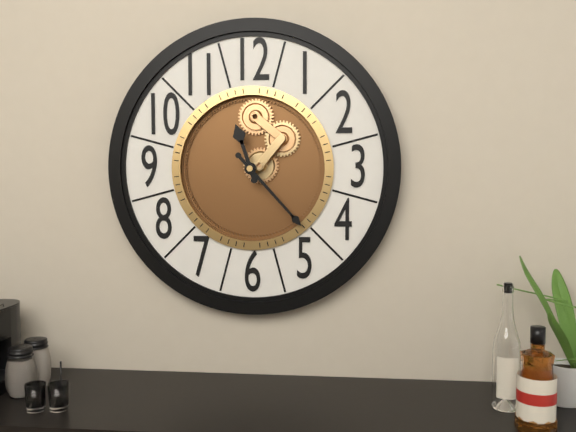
**11:23**
